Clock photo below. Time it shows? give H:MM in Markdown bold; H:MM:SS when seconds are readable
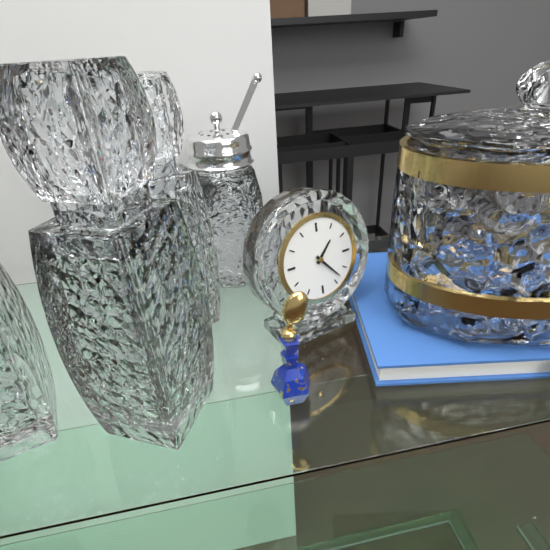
**1:23**
